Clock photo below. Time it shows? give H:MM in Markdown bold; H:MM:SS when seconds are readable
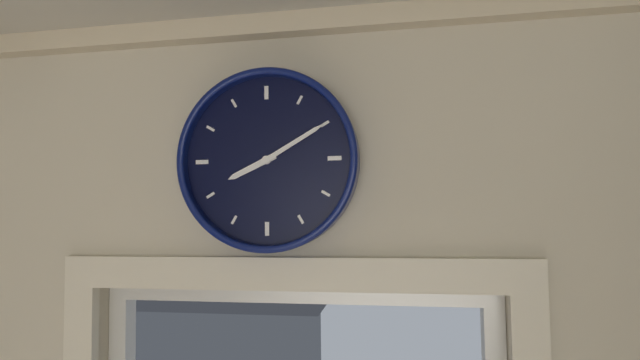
**8:10**
